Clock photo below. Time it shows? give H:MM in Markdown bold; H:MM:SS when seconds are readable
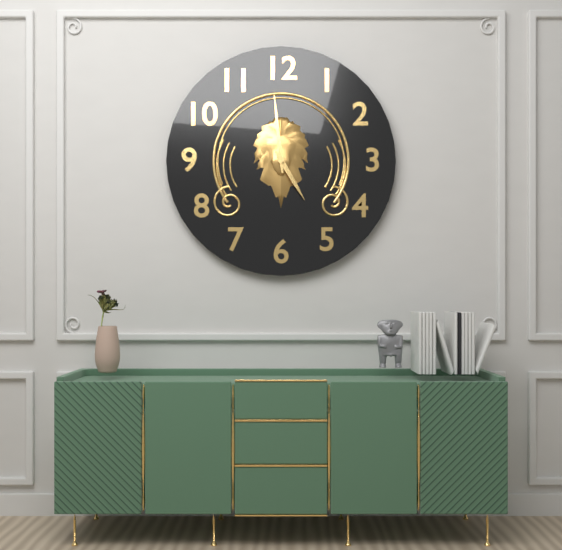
**4:59**
